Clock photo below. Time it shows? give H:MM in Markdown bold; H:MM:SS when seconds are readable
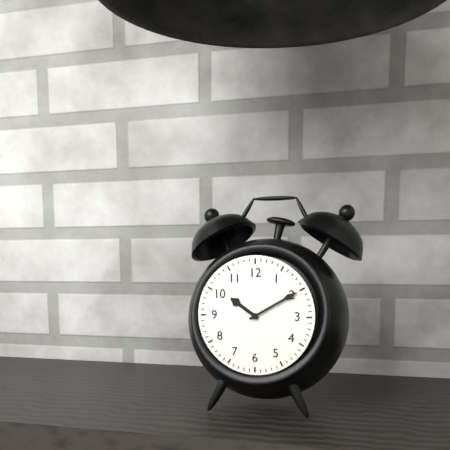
**10:10**
